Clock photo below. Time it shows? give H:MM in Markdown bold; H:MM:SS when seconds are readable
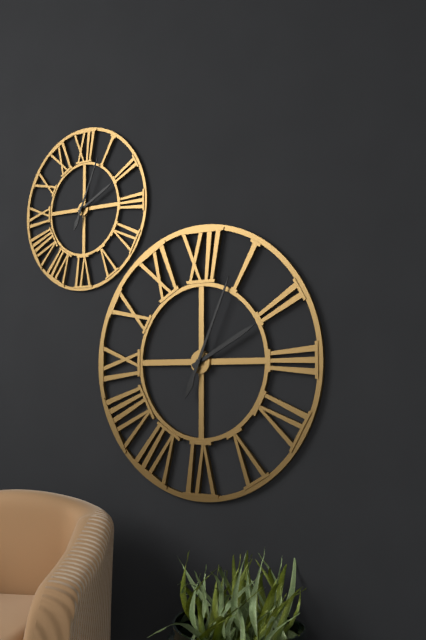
**2:04**
